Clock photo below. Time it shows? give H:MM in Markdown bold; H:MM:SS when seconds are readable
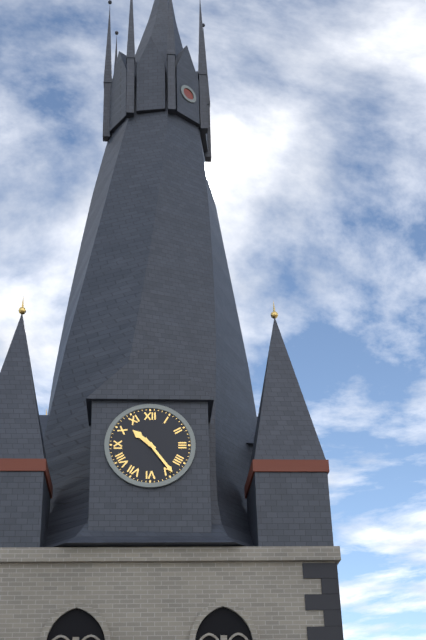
**10:24**
